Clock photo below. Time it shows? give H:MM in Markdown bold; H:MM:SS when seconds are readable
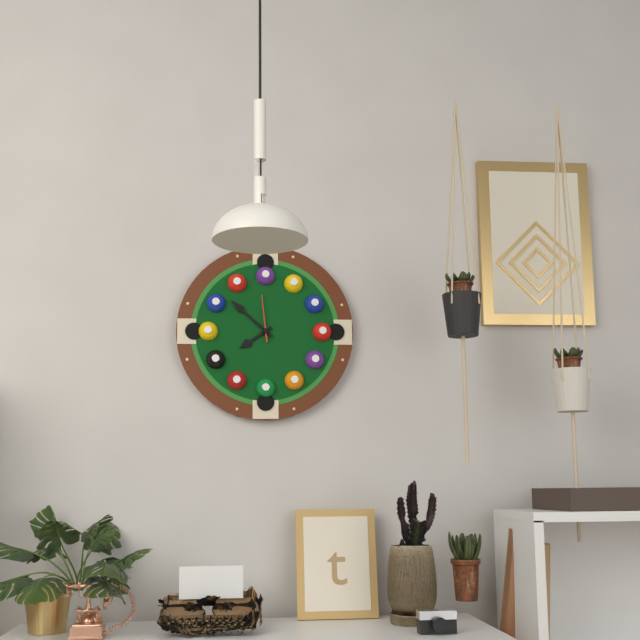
**7:52**
